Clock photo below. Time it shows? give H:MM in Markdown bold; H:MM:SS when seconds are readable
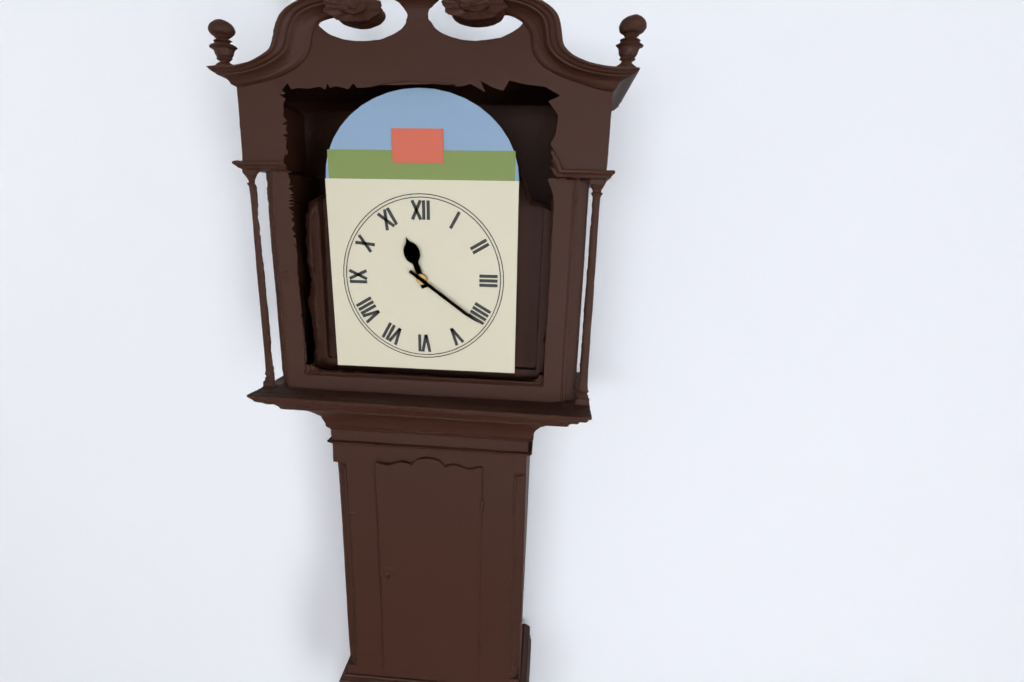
**11:21**
